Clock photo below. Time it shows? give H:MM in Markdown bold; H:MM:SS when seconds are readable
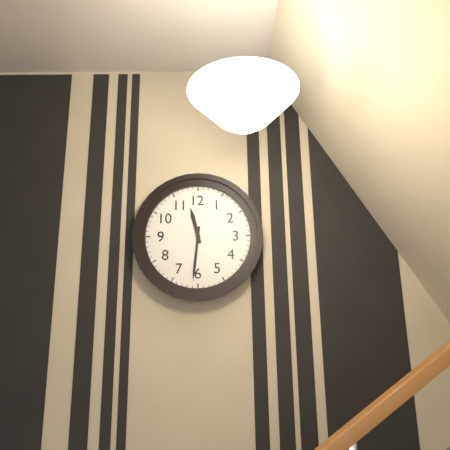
**11:31**
